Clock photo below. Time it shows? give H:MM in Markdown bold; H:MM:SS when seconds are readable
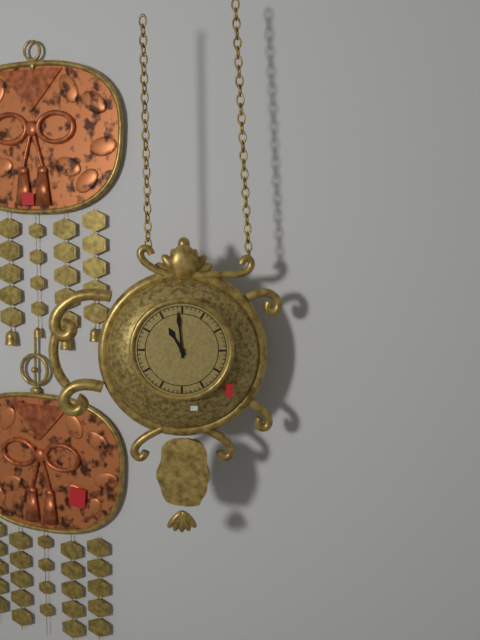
**10:59**
